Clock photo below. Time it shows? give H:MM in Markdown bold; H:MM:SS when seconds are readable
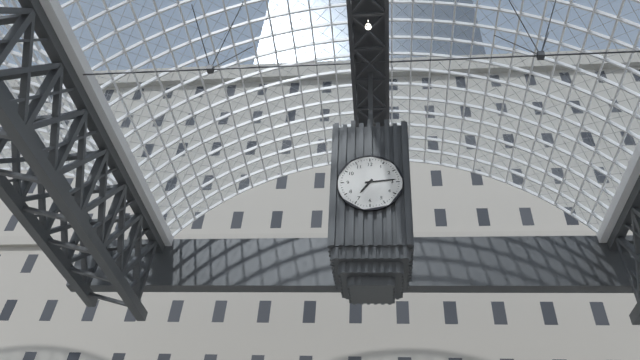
**7:14**
